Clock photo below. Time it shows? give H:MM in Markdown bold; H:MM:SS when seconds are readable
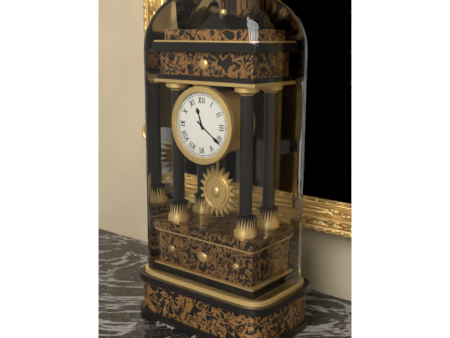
**11:21**
